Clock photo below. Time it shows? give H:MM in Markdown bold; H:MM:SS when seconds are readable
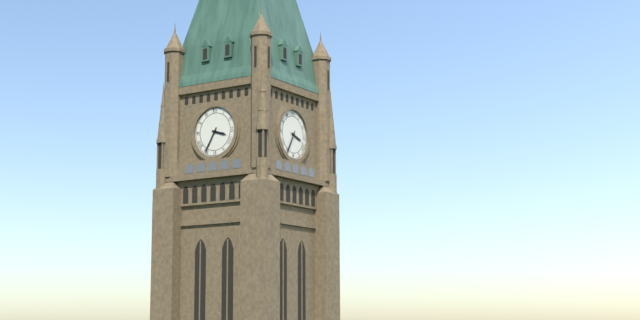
**3:35**
